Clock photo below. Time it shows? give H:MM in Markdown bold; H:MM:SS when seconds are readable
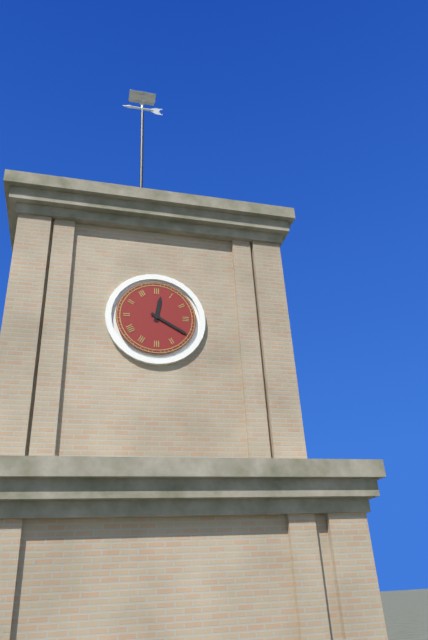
**12:20**
